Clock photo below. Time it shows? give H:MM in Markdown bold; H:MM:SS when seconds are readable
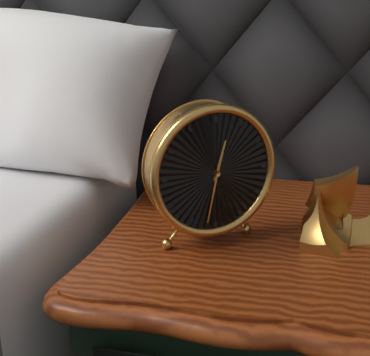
**12:32**
